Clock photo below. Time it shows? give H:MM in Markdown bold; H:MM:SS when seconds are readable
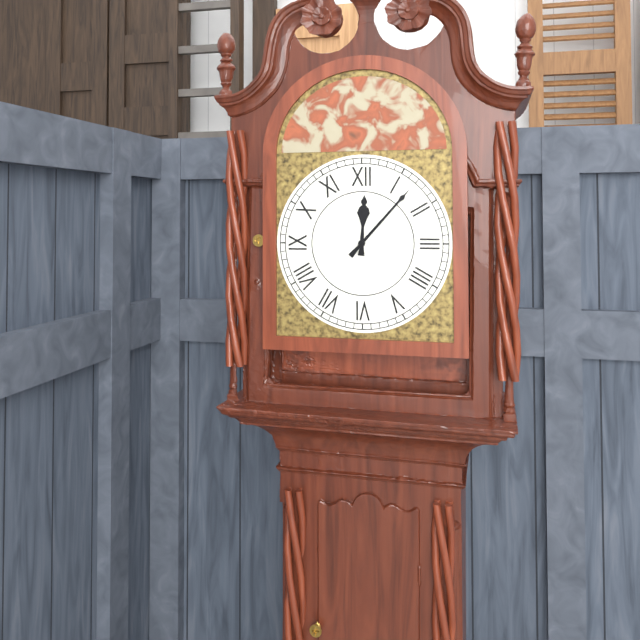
**12:07**
